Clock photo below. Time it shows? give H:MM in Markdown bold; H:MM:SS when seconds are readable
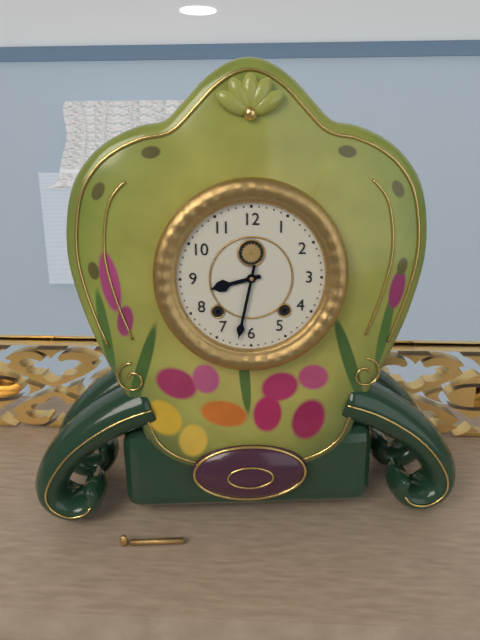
**8:32**
